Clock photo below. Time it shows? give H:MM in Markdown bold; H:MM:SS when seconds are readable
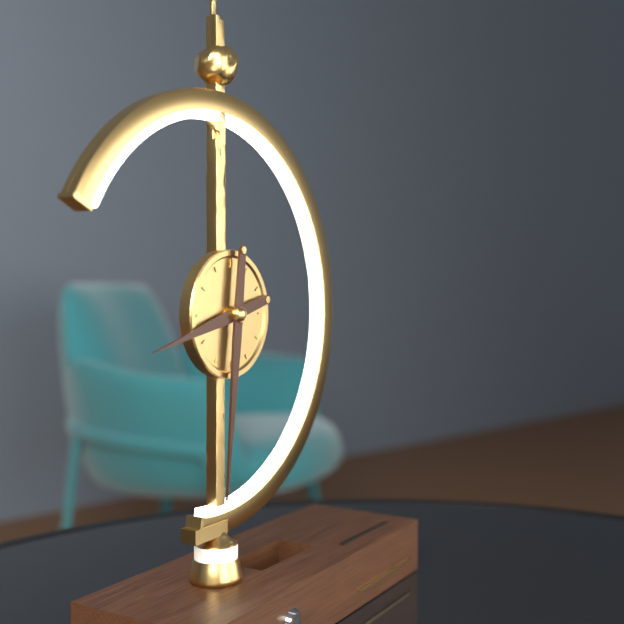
**8:31**
